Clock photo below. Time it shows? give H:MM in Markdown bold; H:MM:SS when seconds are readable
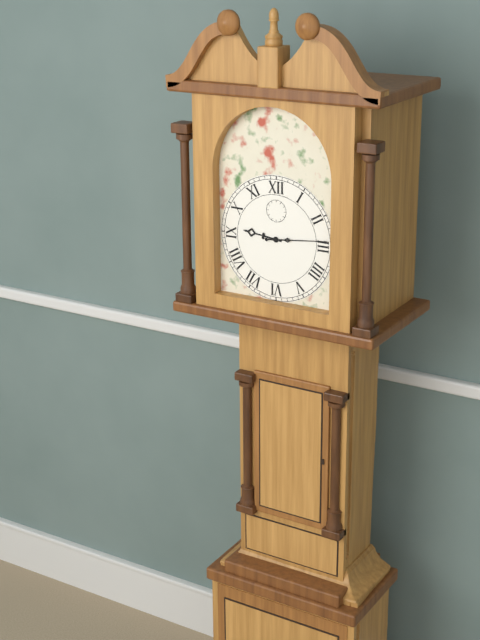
**9:14**
